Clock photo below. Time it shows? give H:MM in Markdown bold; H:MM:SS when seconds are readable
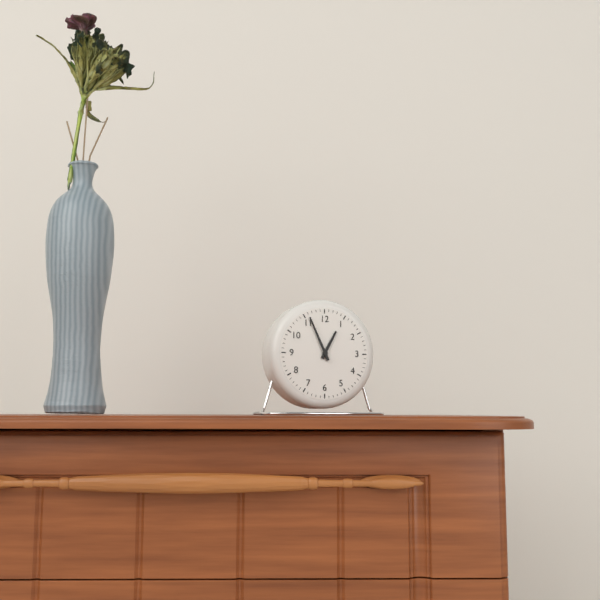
**12:56**
